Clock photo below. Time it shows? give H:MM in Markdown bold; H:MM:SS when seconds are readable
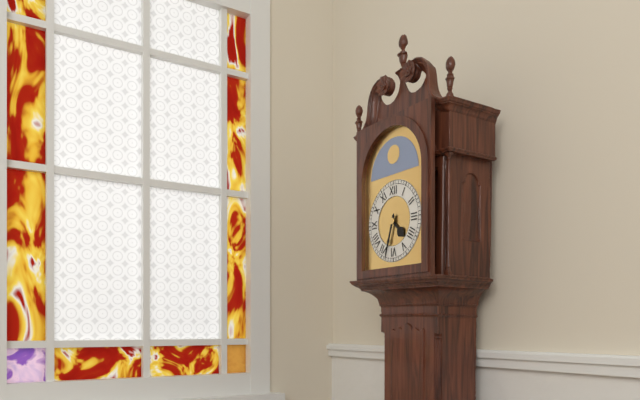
**4:33**
